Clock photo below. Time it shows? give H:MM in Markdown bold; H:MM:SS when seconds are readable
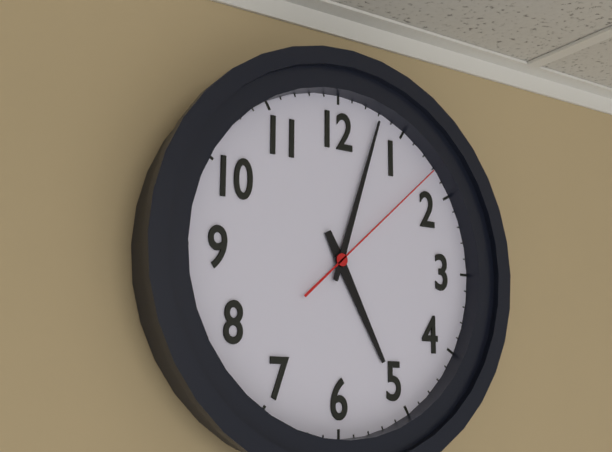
**5:03:08**
